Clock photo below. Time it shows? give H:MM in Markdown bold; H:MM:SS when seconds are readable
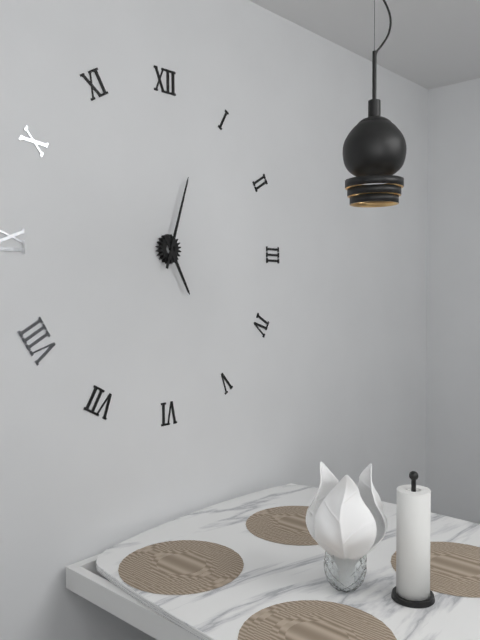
**5:03**
